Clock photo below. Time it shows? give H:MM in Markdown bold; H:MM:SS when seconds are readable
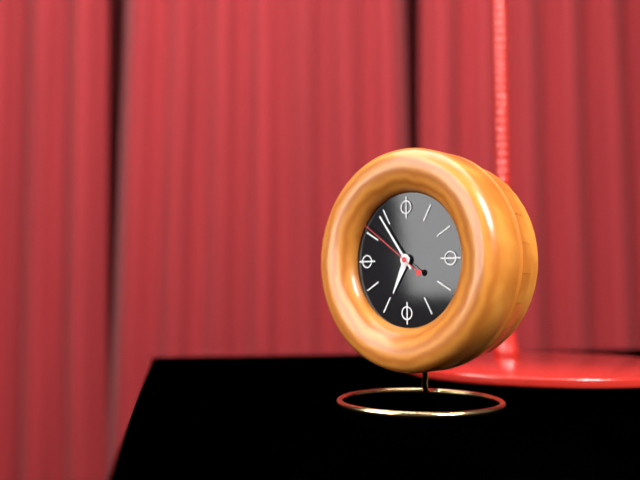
**6:54:51**
